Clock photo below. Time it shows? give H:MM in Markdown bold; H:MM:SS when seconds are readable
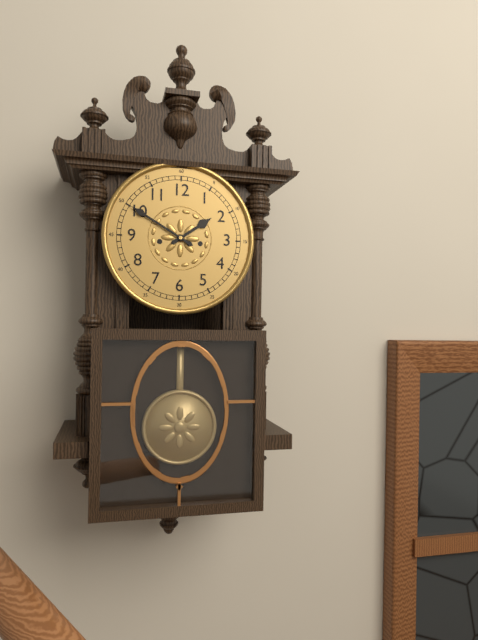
**1:50**
